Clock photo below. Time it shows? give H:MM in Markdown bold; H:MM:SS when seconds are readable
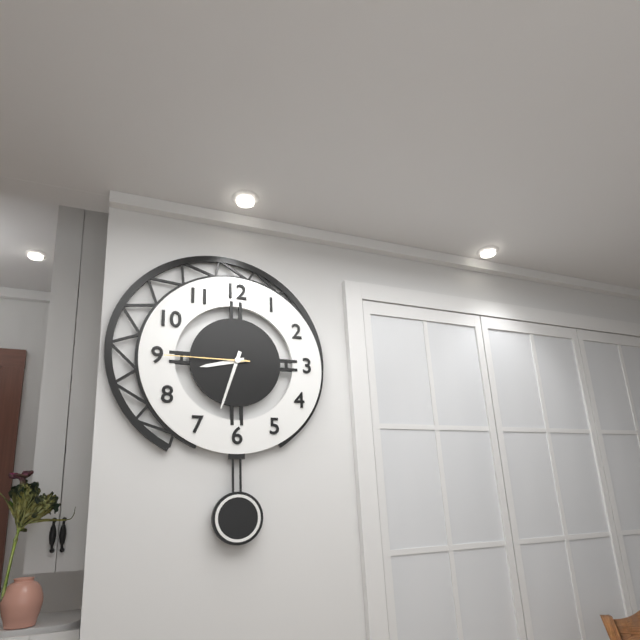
**8:33:45**
